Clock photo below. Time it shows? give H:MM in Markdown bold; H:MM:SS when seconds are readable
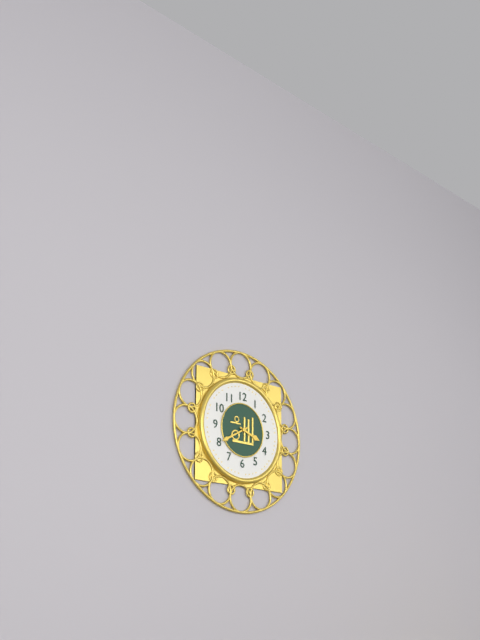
**3:40**
